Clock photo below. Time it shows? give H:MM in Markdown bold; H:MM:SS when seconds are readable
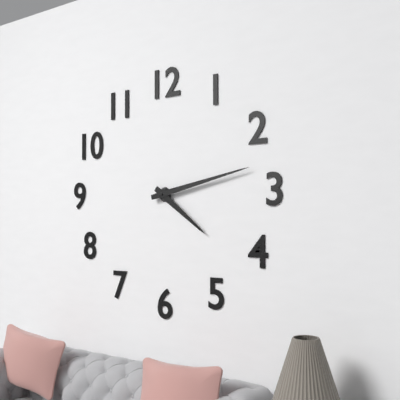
**4:13**
